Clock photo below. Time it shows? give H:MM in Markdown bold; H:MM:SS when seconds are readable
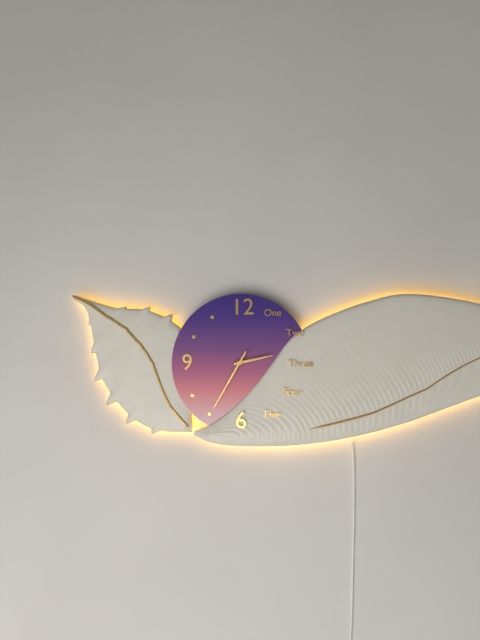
**2:35**
